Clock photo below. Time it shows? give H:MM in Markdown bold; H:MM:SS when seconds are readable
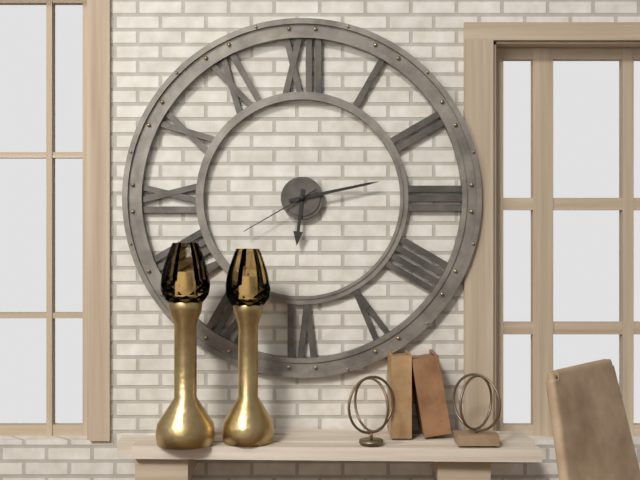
**6:13:40**
